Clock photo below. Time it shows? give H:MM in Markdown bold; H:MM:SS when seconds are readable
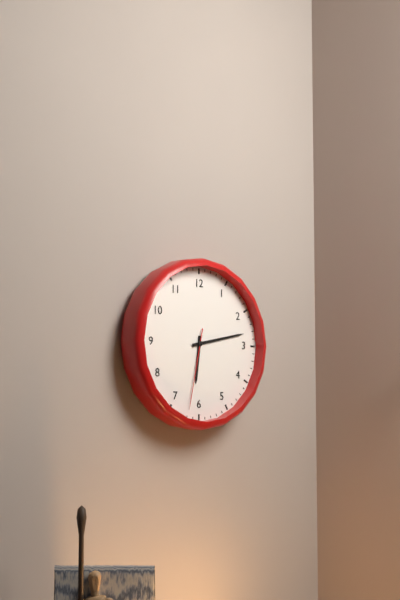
**6:13:32**
